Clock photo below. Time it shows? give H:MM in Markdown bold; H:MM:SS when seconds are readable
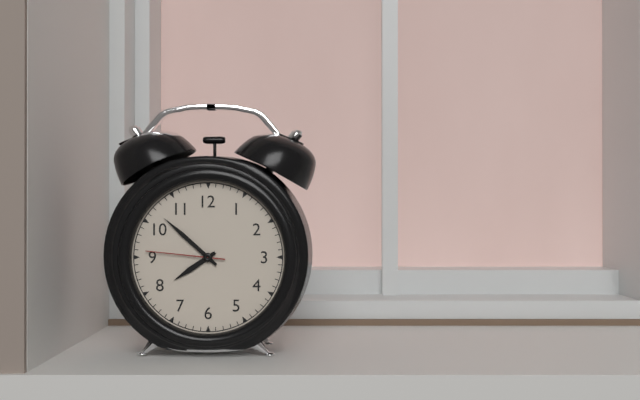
**7:52:46**
